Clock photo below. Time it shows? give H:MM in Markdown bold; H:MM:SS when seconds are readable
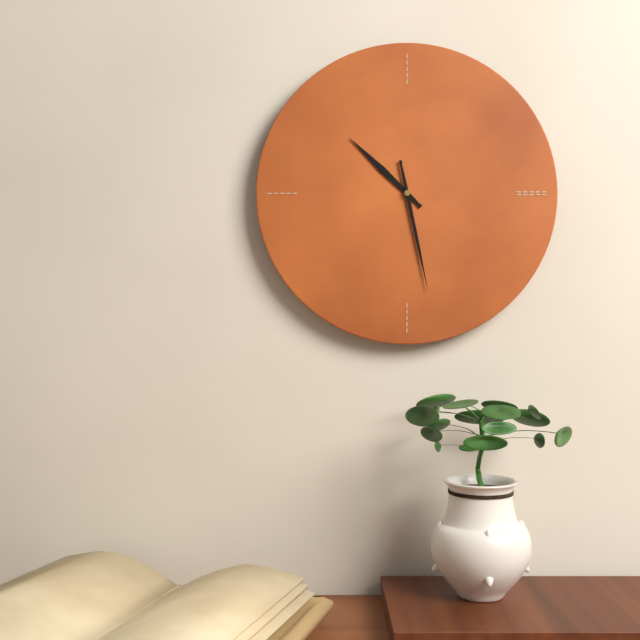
**10:28**
